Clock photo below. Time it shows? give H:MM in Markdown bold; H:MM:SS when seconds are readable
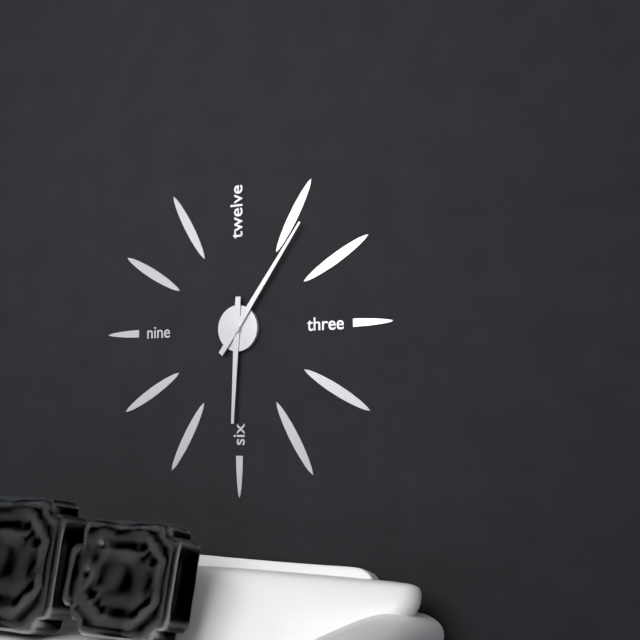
**6:06**
